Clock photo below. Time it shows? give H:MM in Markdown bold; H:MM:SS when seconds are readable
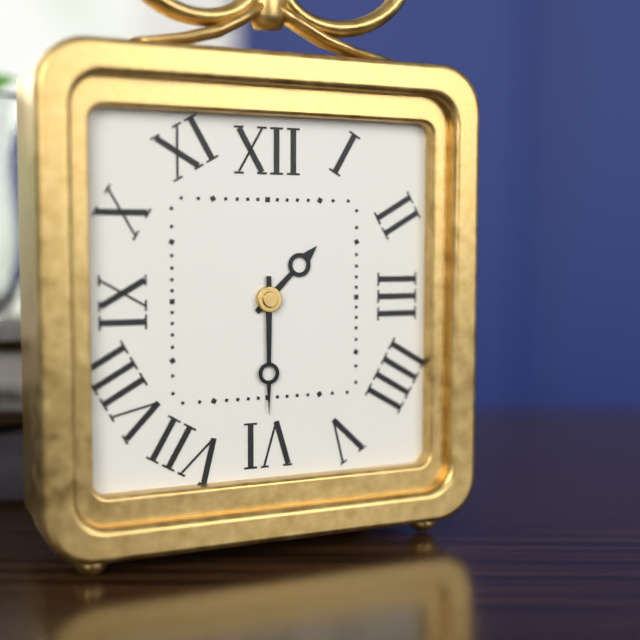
**1:30**
